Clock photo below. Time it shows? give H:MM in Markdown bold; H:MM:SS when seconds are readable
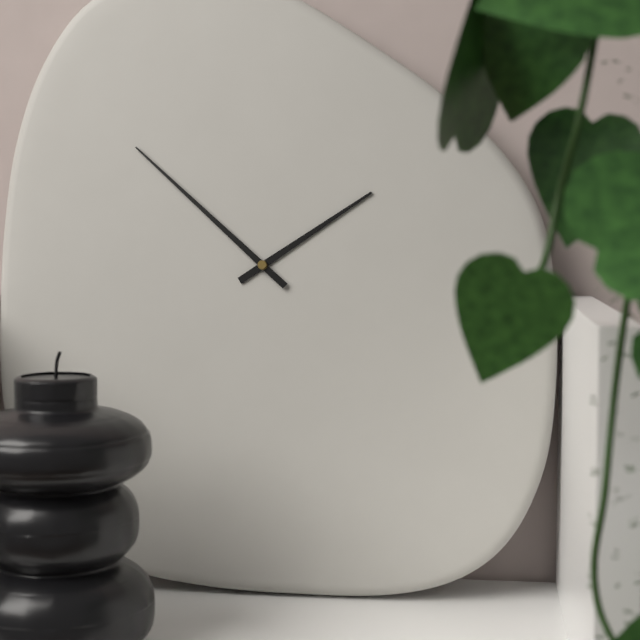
**1:52**
